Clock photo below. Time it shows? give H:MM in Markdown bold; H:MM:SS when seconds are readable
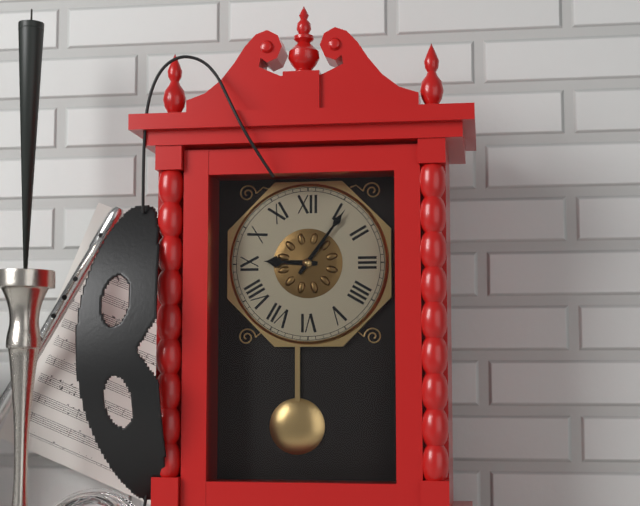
**9:06**
